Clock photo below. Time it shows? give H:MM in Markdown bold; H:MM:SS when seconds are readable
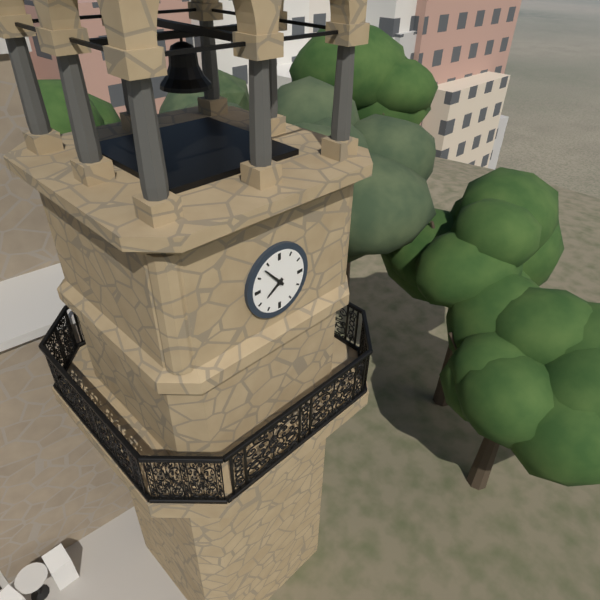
**7:53**
